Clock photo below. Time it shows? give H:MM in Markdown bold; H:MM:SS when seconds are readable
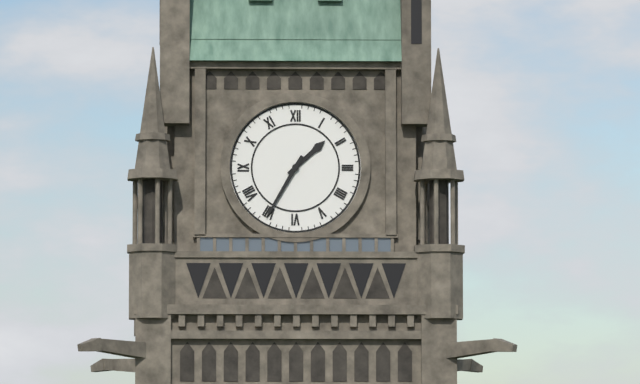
**1:35**
